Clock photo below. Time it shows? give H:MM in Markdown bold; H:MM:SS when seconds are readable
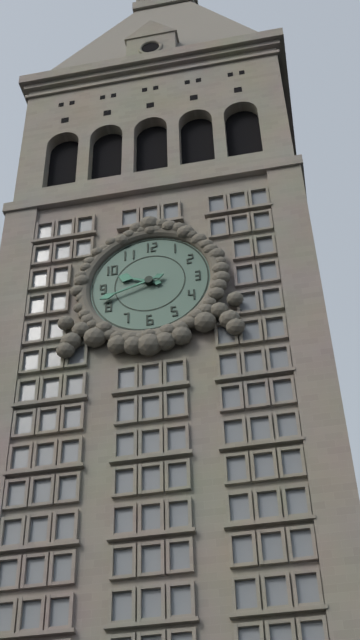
**9:42**
